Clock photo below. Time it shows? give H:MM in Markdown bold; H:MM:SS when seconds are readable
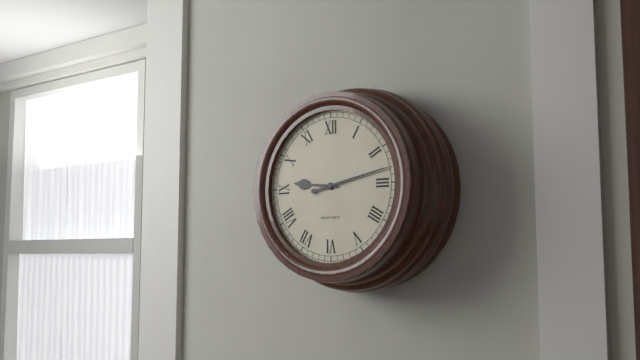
**9:13**
